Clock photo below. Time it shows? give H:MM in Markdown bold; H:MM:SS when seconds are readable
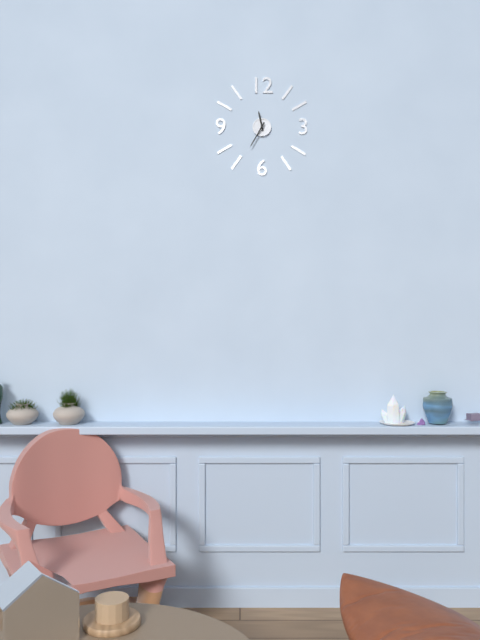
**11:35**
